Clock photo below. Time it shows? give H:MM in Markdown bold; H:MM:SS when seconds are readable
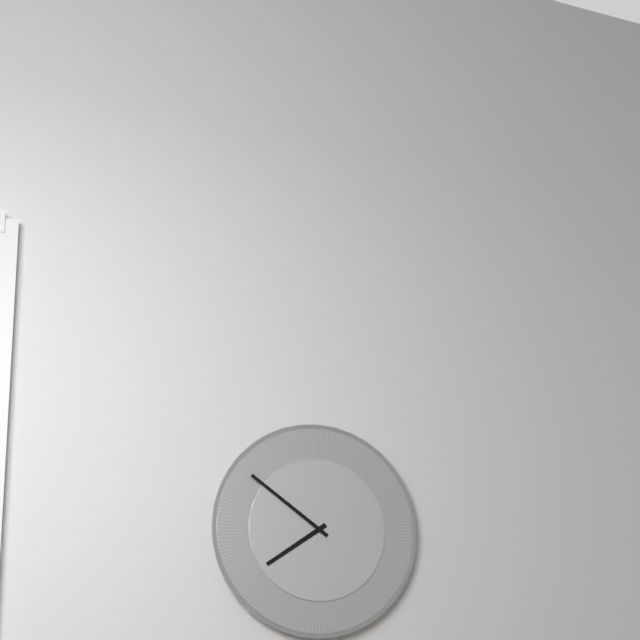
**7:51**
